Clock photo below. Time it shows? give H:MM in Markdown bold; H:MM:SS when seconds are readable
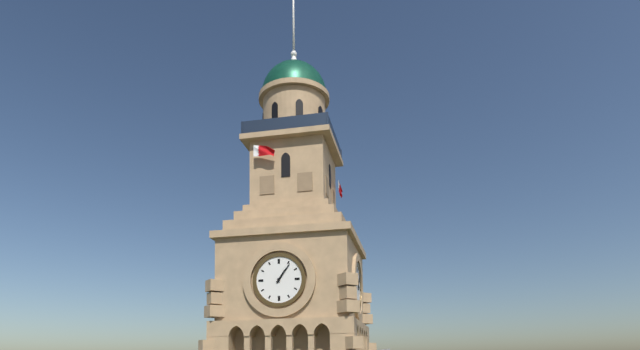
**1:06**
